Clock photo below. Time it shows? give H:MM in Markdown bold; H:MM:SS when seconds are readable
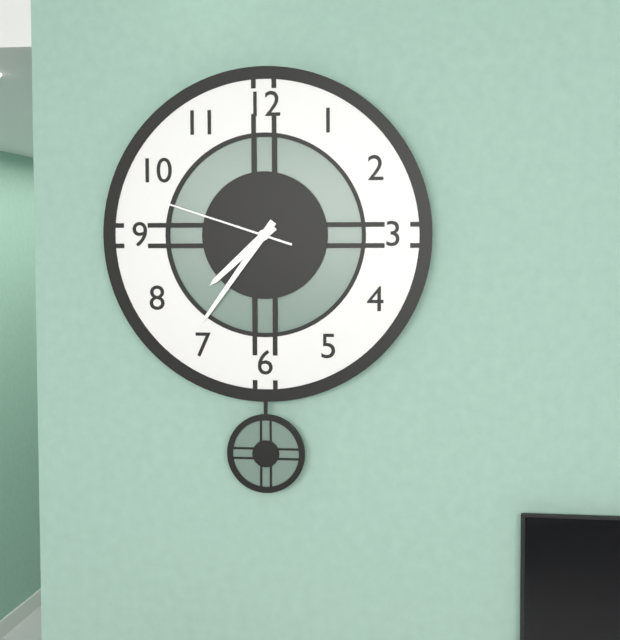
**7:36:48**
